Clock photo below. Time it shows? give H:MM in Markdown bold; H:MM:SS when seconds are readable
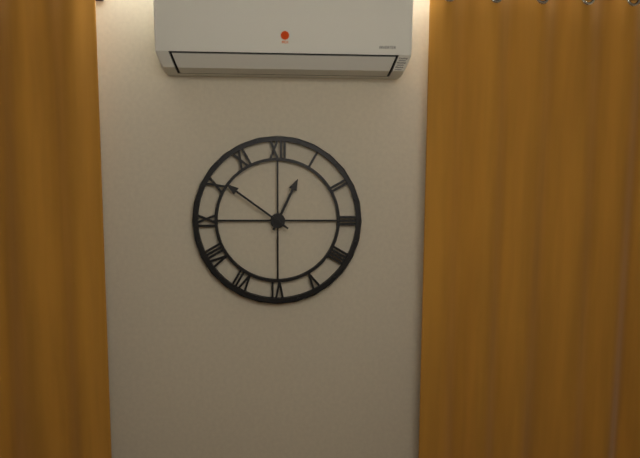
**12:51**
